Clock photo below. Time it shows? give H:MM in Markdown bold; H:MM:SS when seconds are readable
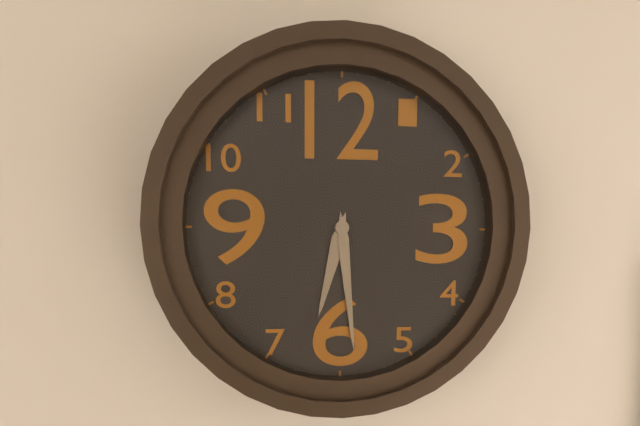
**6:29**
